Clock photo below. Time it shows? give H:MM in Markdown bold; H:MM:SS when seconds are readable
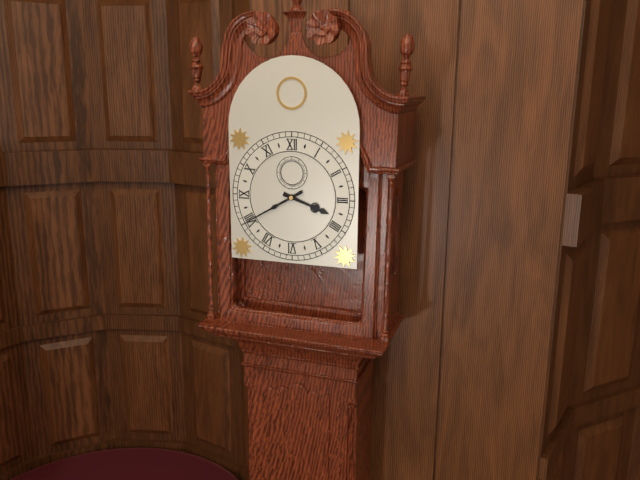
**3:40**
